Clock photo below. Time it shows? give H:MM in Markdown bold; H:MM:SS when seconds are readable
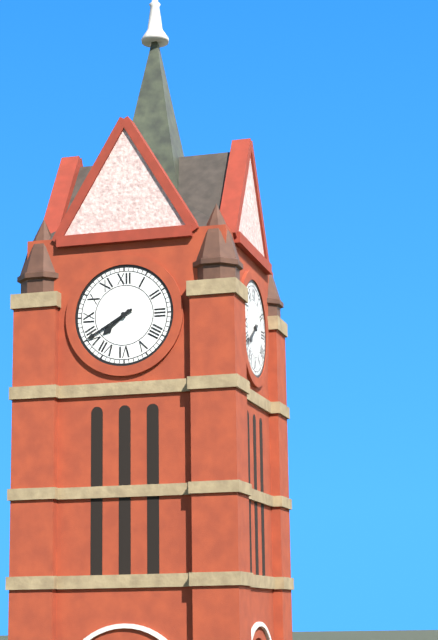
**7:40**
